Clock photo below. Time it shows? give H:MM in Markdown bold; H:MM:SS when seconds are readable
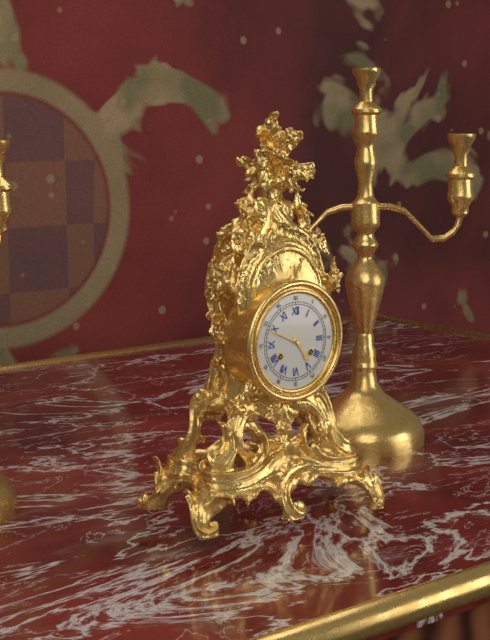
**4:49**
